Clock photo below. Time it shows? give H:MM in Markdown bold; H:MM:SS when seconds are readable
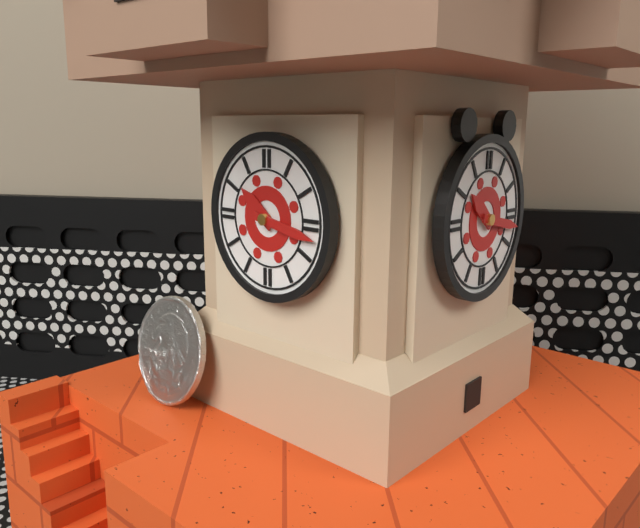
**10:17**
